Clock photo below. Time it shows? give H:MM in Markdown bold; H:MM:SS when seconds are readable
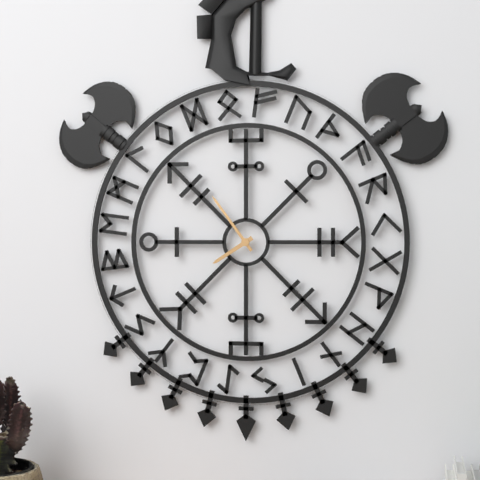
**7:54**
